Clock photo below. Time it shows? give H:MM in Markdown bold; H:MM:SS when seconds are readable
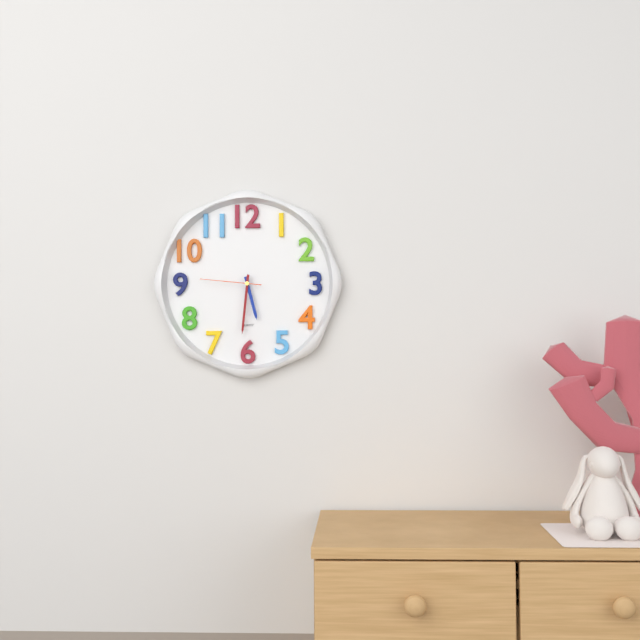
**5:31:46**
